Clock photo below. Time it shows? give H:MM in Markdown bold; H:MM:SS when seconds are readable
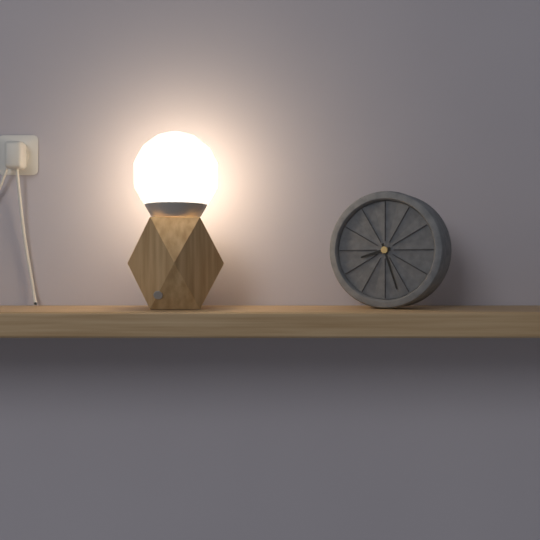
**8:27**
